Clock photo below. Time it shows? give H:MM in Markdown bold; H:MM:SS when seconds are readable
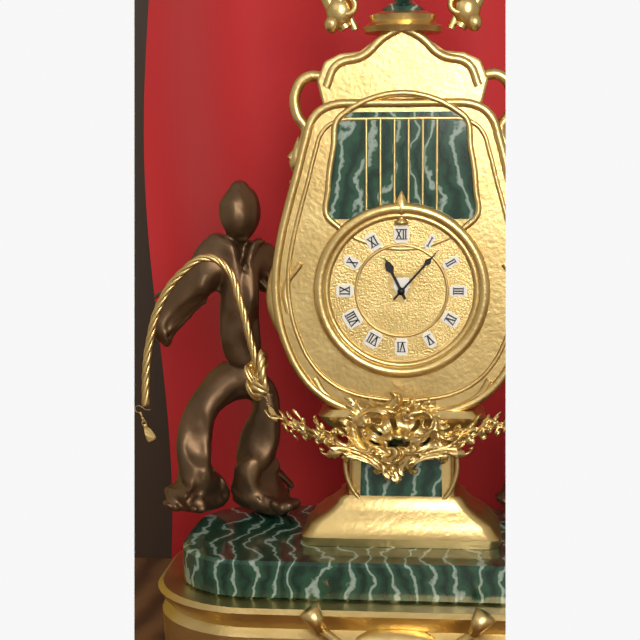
**11:07**
